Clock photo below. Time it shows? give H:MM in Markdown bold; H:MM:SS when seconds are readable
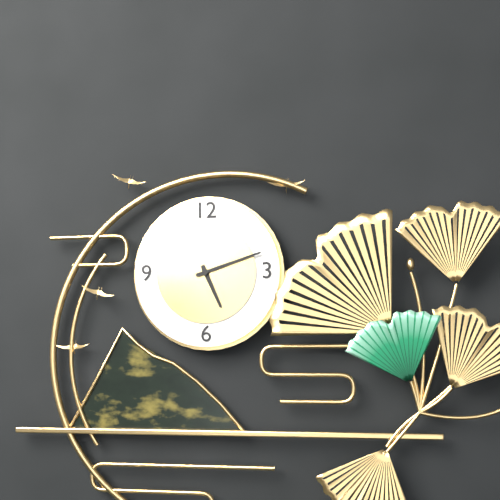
**5:12**
